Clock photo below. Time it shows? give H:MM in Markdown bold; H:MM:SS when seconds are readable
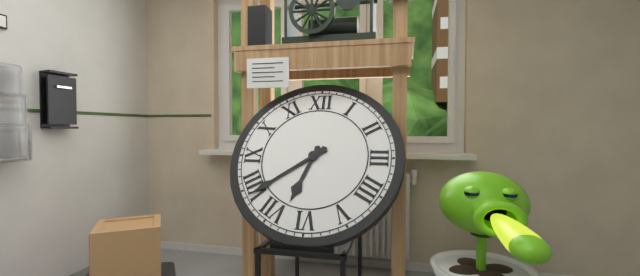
**6:39**
